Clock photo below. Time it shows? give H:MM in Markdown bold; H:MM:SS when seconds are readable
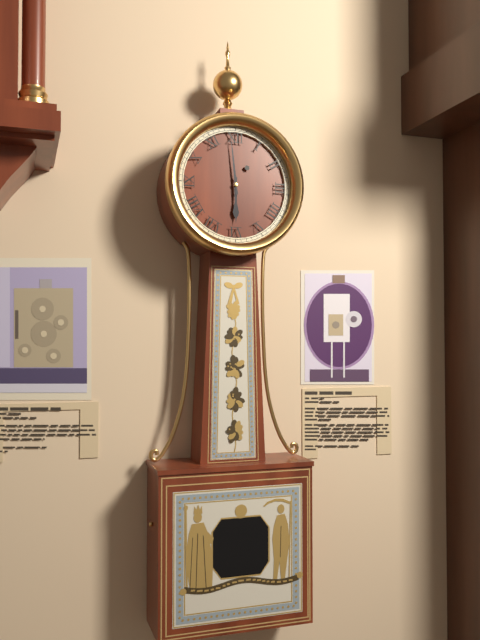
**5:59**
